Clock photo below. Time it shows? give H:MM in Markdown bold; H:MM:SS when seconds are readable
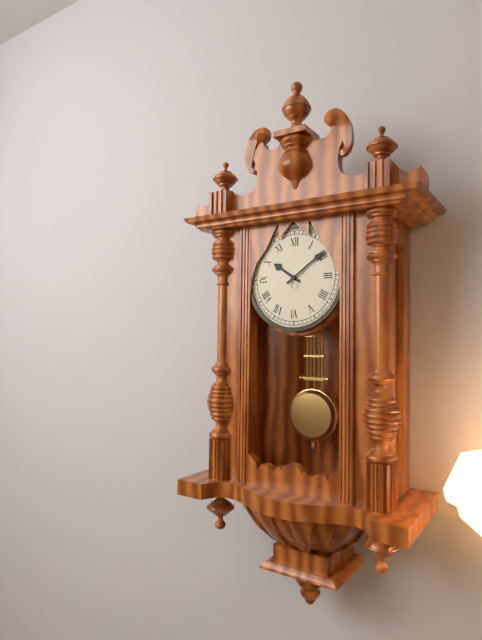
**10:09**
